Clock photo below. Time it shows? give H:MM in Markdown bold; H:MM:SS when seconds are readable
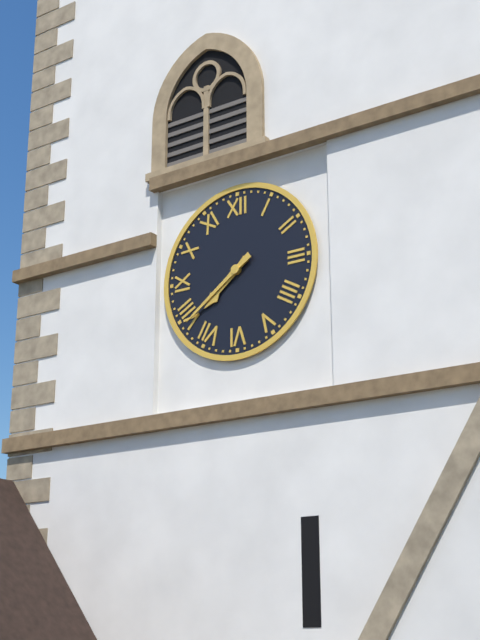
**7:39**
